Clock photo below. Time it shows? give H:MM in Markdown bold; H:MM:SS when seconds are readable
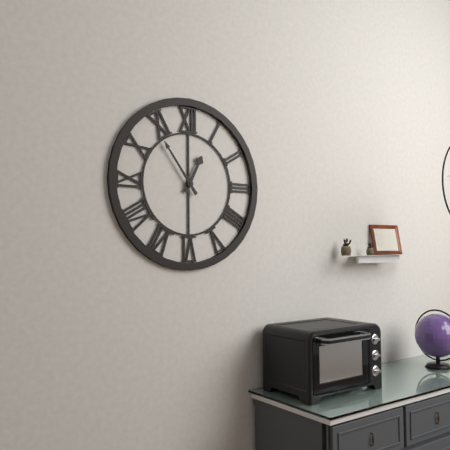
**12:54**
